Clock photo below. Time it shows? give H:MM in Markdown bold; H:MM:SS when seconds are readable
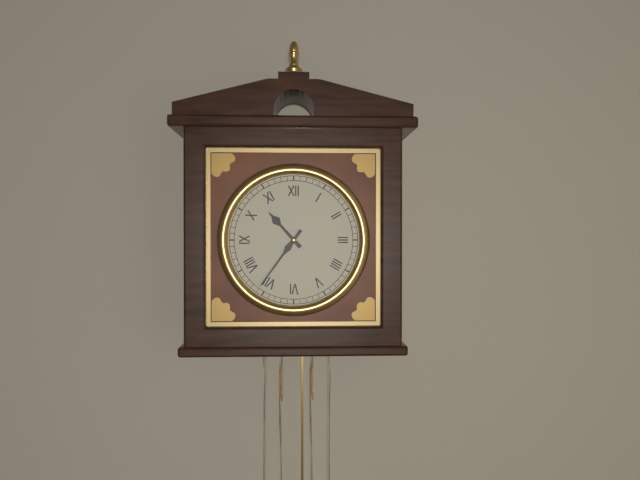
**10:36**
